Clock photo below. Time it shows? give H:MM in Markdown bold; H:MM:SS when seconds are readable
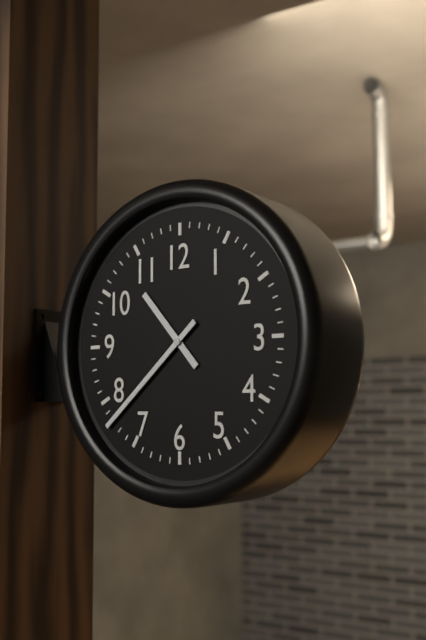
**10:38**
